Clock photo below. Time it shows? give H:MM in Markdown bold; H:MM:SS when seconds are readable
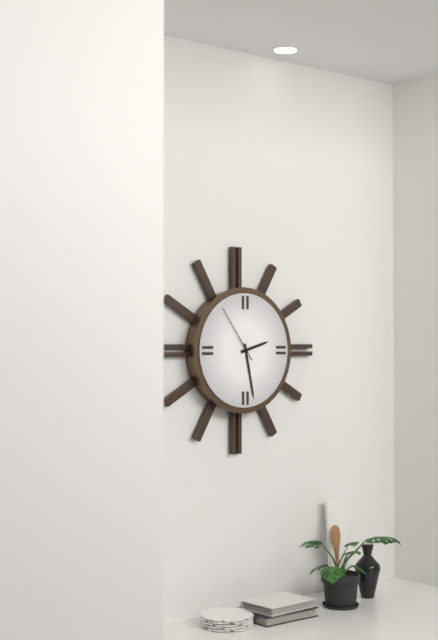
**2:28:54**
